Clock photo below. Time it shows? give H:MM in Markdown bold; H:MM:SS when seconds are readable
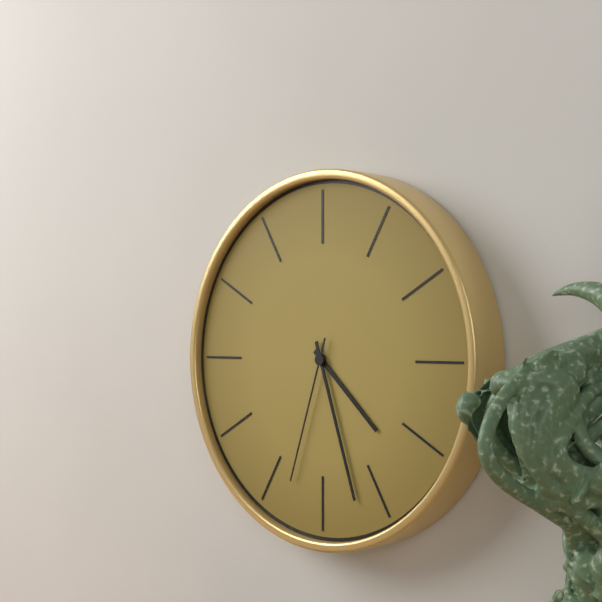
**4:27:33**
